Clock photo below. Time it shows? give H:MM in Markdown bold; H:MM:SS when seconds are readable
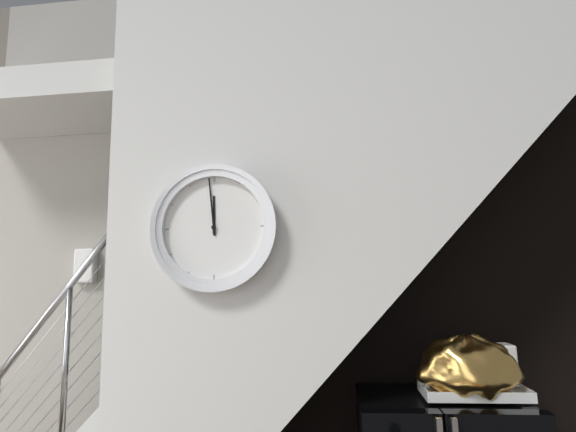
**11:59**
